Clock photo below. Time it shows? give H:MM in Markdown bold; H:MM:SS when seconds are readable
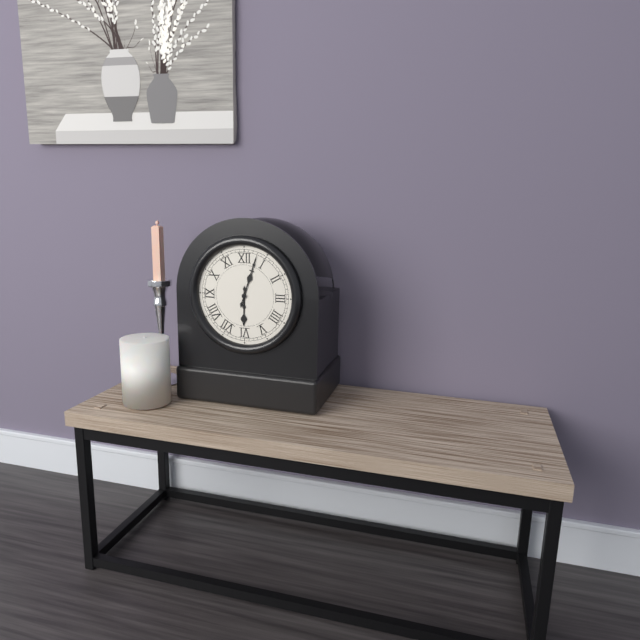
**6:03**
